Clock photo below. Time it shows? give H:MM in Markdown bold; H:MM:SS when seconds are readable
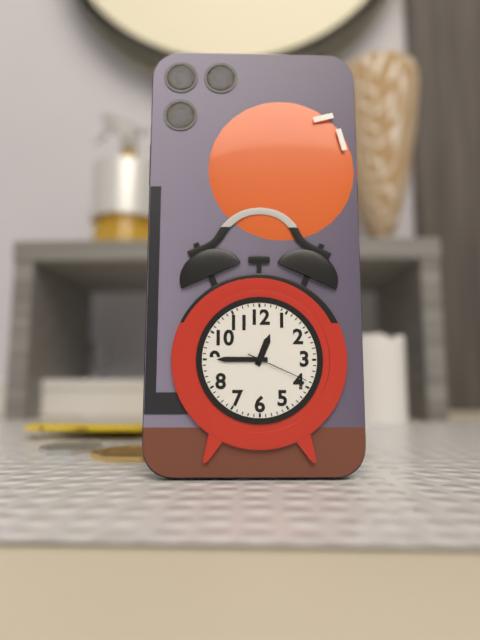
**12:45:19**
